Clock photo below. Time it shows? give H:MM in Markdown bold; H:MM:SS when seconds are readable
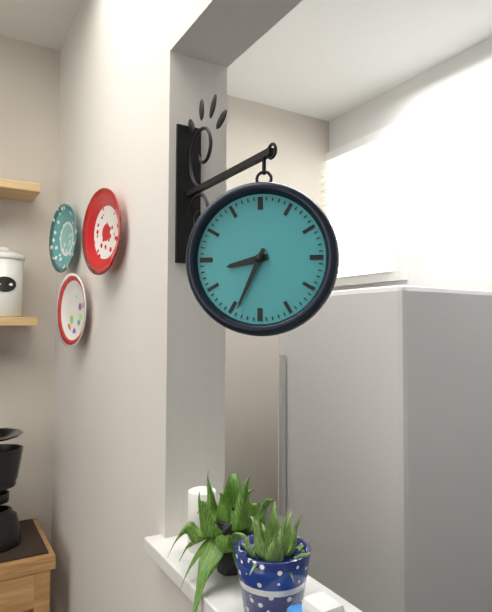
**8:34**
